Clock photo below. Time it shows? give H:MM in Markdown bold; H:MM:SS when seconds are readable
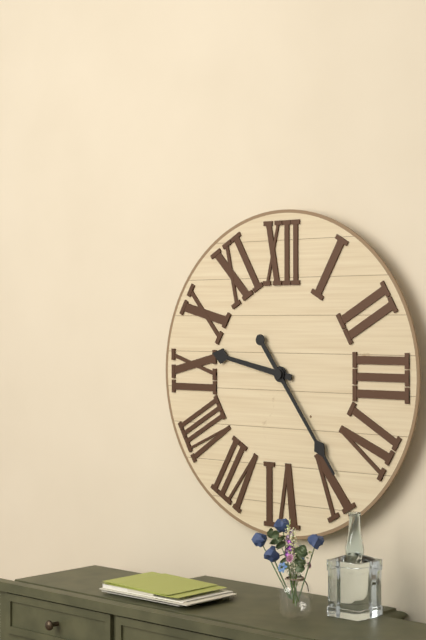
**9:24**
